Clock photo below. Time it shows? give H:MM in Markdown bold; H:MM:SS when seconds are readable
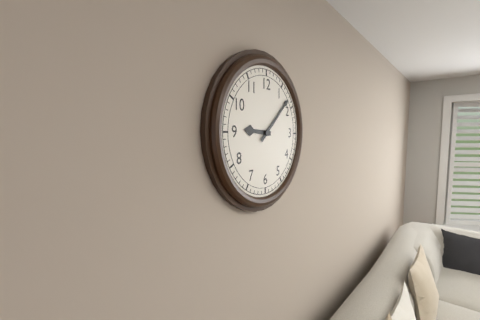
**9:08**
